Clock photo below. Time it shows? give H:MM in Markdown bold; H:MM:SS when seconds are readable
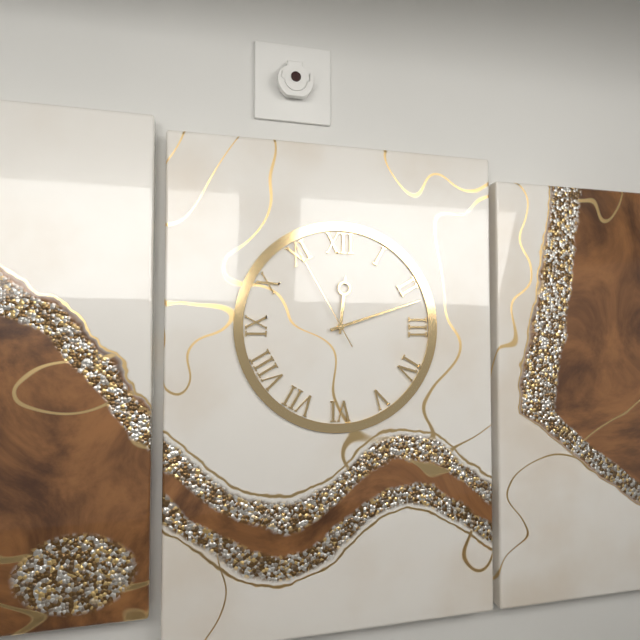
**12:12:55**
